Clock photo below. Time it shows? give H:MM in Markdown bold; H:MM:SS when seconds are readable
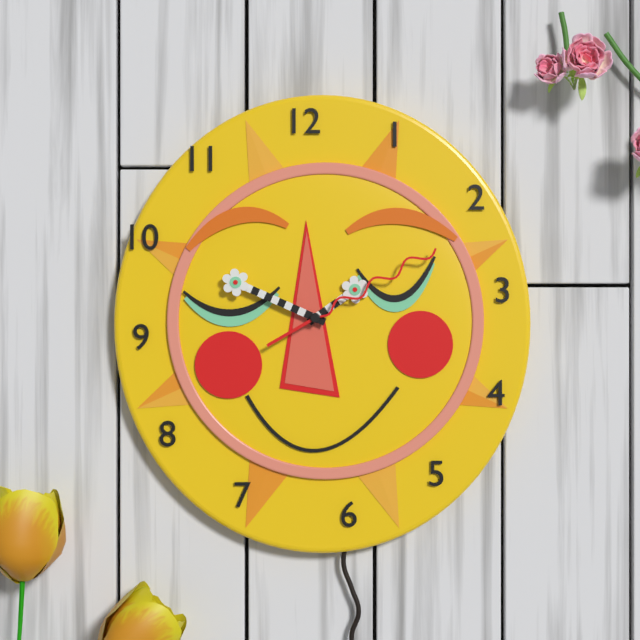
**1:49:10**
